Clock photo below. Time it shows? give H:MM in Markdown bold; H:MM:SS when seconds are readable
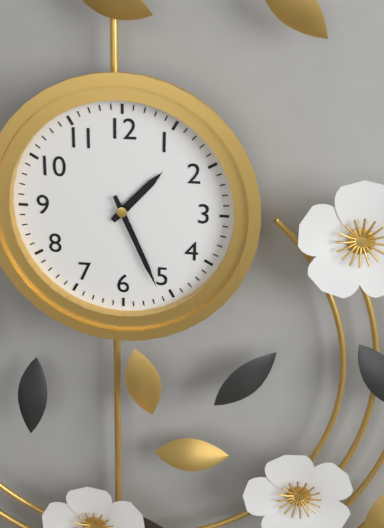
**1:26**
